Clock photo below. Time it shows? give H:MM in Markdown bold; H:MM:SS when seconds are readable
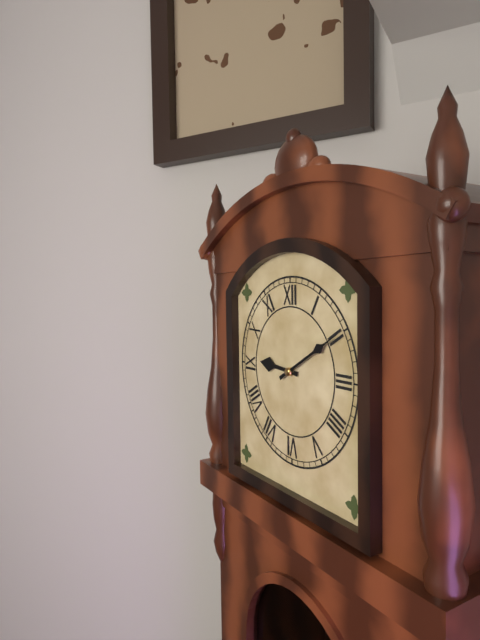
**9:10**
